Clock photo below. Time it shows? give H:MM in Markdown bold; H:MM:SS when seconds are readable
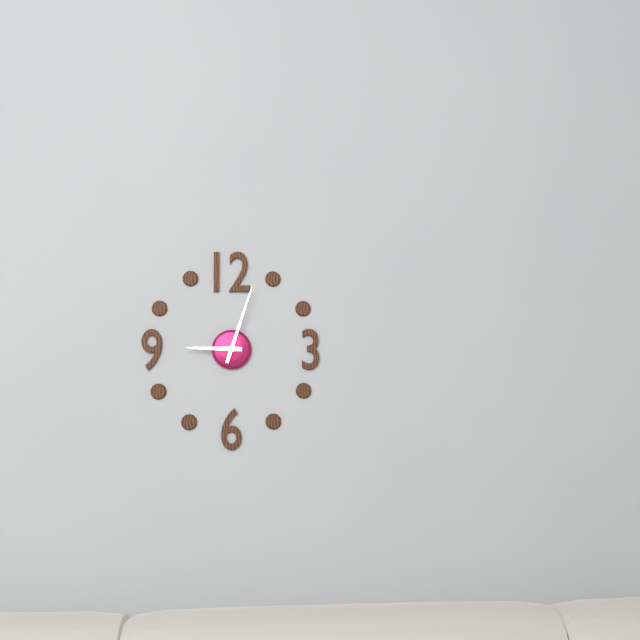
**9:03**
